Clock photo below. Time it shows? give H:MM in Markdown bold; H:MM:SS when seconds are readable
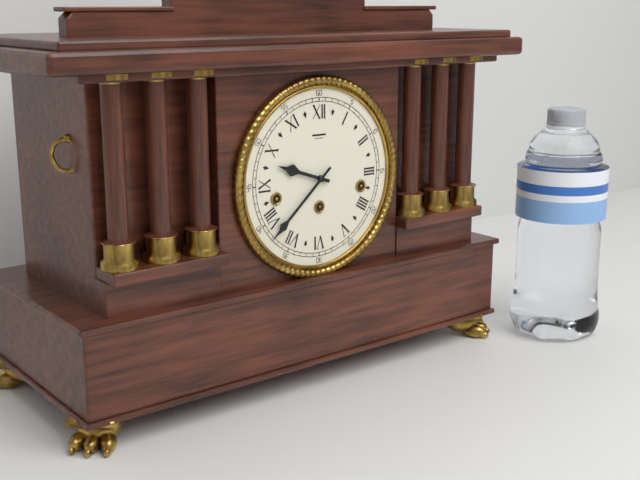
**9:38**
